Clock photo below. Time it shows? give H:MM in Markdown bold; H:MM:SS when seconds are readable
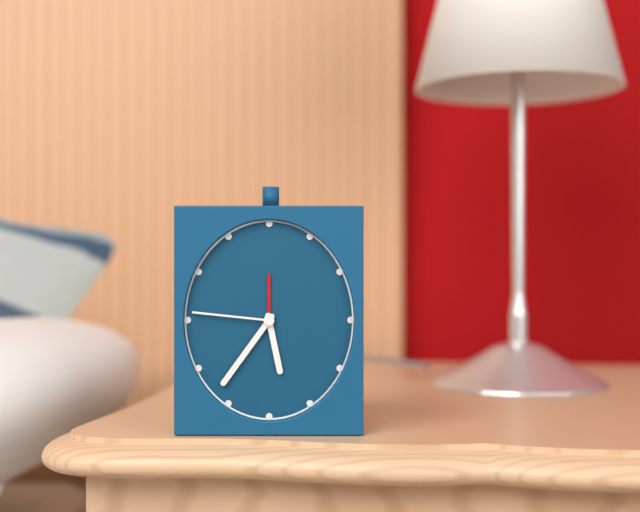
**5:36:46**
